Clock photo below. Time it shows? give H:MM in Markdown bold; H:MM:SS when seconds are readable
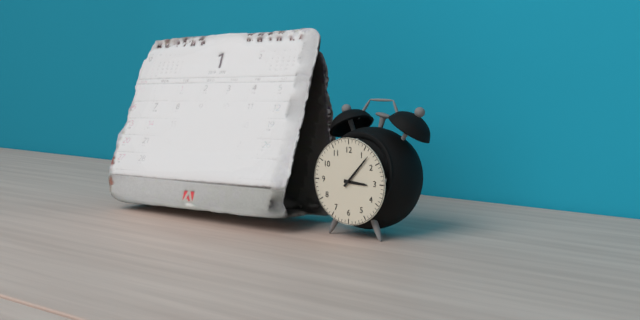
**3:07**
